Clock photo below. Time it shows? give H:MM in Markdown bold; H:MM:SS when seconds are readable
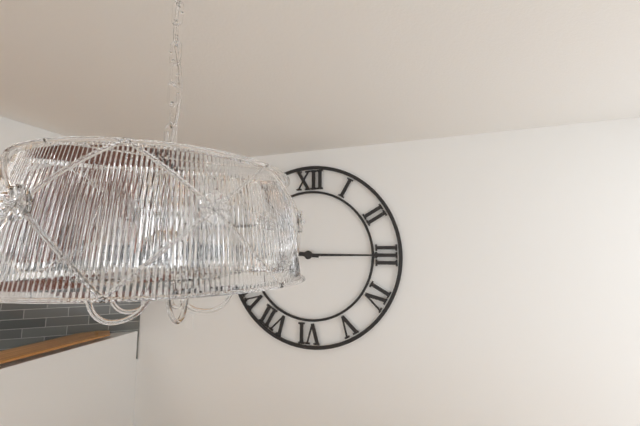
**9:15**
